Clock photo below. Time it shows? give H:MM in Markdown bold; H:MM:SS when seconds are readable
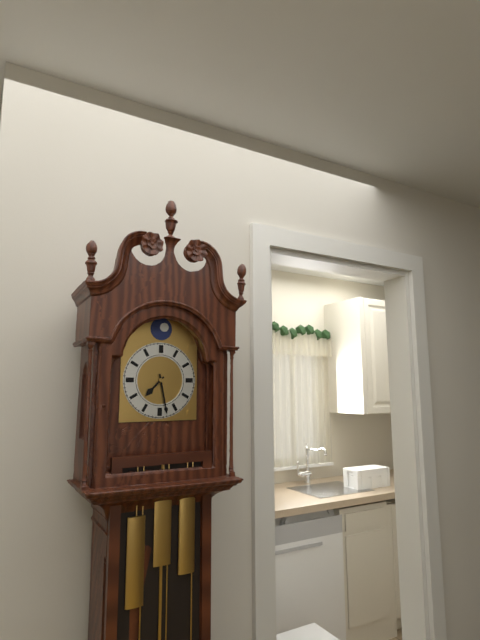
**7:28**
